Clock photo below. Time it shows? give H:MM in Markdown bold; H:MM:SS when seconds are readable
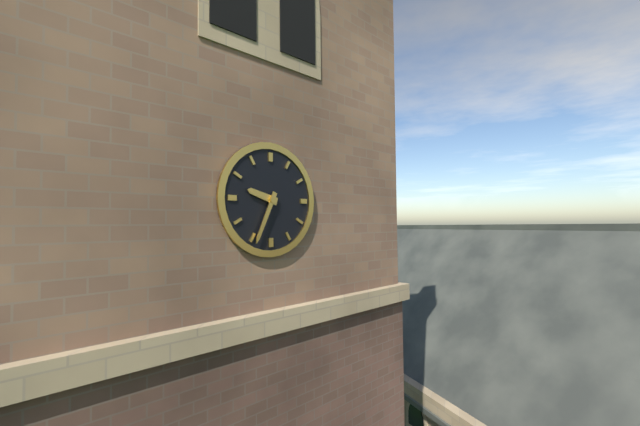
**9:34**
